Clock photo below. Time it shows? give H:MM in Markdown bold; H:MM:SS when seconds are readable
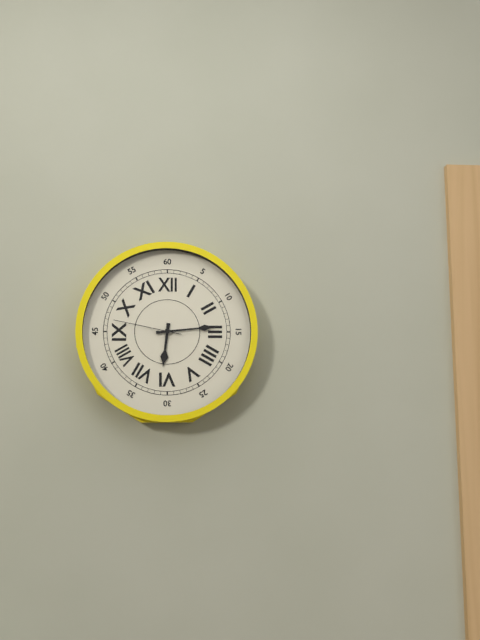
**6:14:47**
